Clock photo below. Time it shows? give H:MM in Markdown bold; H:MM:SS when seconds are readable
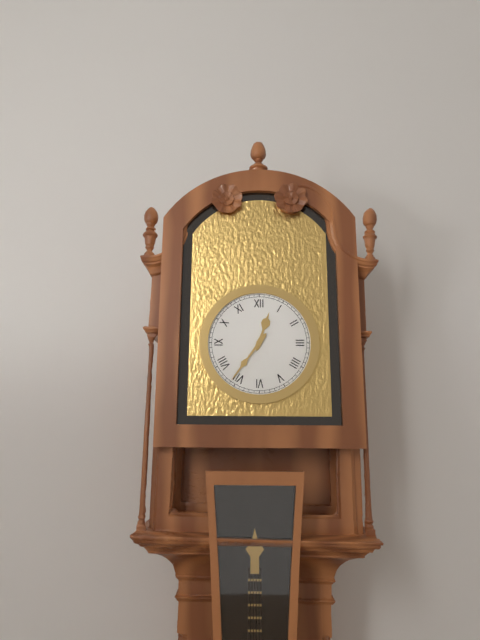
**12:36**
